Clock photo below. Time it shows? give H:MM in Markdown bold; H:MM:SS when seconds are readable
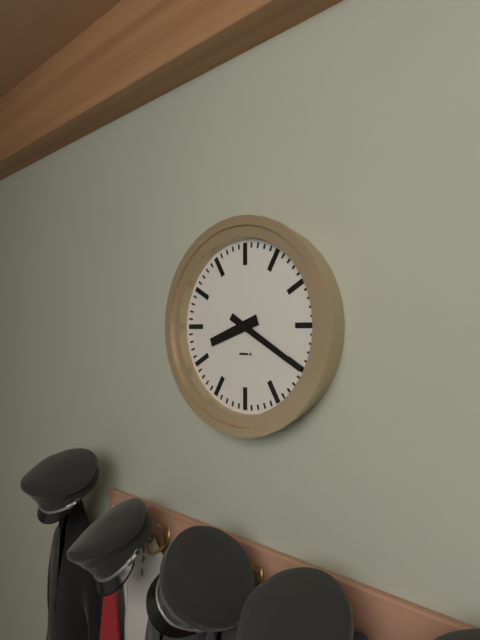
**8:20**
